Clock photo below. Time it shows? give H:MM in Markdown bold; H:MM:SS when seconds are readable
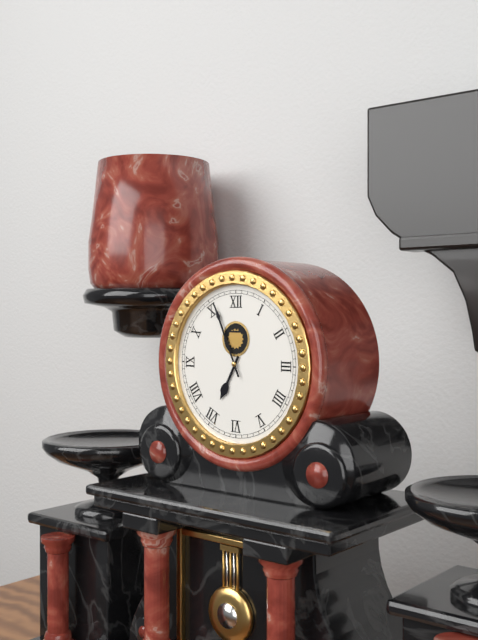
**6:56**
